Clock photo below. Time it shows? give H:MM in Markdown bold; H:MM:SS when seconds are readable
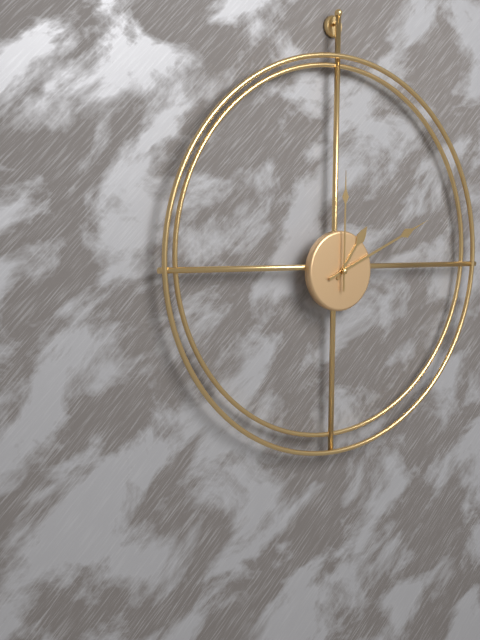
**1:11:00**
